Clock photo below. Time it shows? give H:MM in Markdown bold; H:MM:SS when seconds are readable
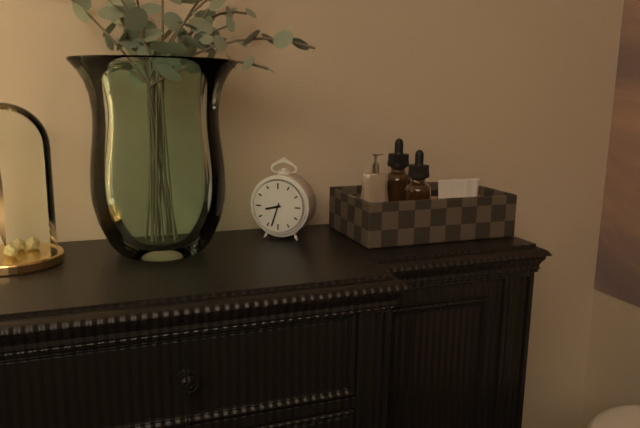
**8:33**
